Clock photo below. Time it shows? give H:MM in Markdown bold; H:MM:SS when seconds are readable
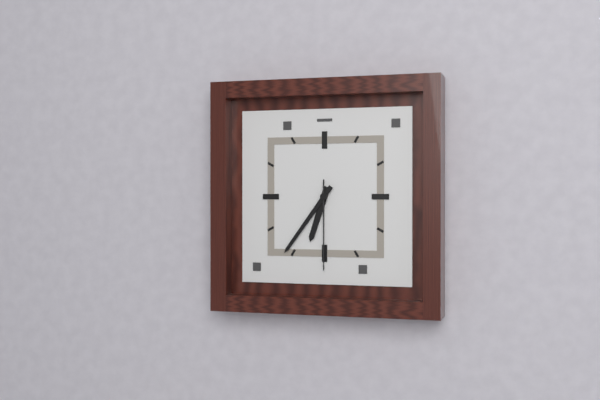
**6:36:30**
